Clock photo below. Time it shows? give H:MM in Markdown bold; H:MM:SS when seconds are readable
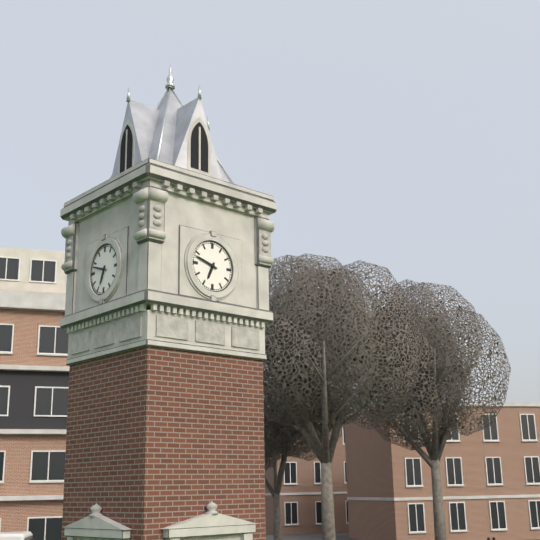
**6:48**
